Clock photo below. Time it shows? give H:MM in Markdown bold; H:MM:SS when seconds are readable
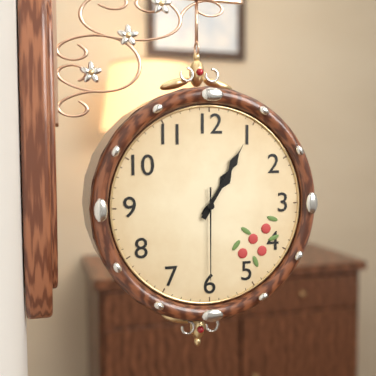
**1:05:30**
